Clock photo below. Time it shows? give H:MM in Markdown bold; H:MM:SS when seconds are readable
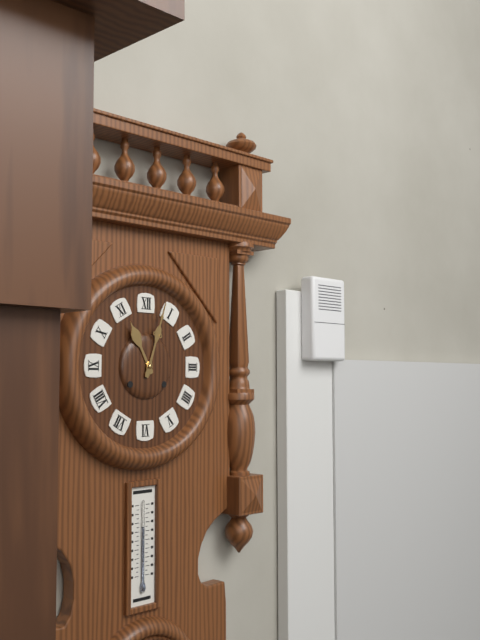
**11:03**
